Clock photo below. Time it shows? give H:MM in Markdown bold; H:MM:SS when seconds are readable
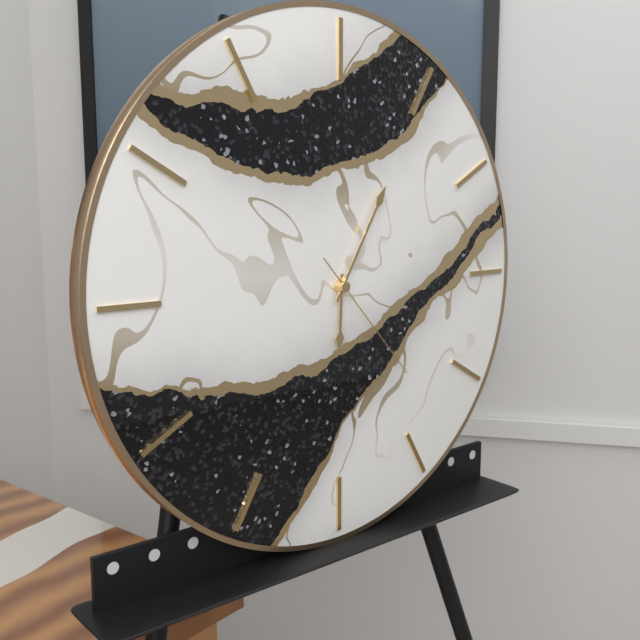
**6:05:23**
